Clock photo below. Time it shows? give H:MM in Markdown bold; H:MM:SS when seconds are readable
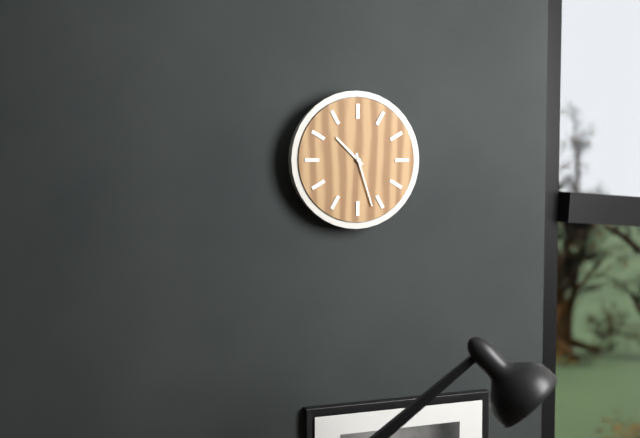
**10:27**
